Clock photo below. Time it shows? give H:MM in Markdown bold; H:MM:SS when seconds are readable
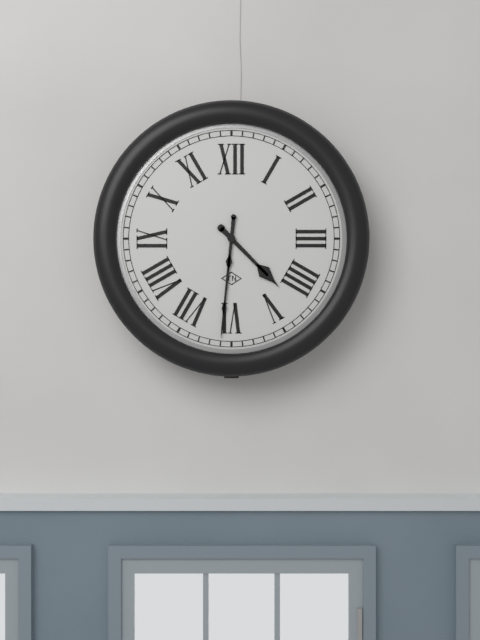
**4:31**
